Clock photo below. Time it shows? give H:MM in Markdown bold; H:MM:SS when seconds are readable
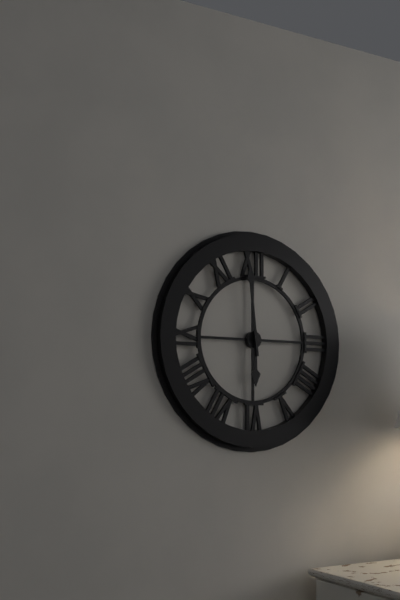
**5:59**
